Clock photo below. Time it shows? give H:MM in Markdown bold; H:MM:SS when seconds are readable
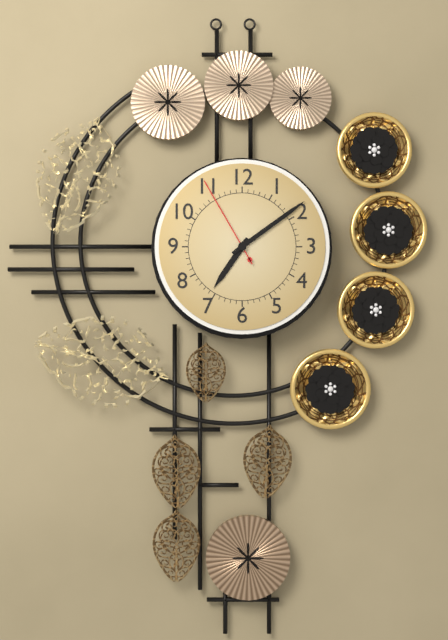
**7:09:55**
